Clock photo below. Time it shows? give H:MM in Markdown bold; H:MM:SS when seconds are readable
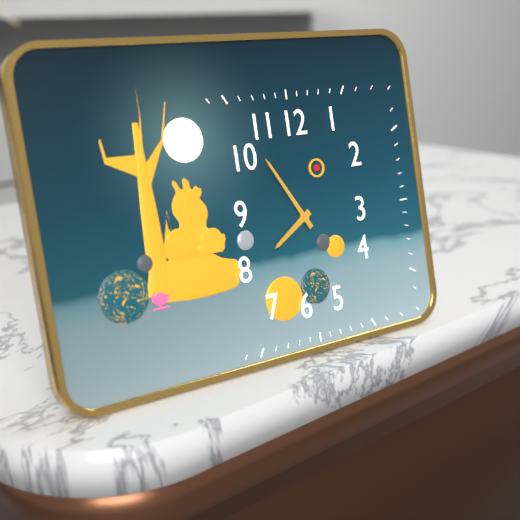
**7:55**
